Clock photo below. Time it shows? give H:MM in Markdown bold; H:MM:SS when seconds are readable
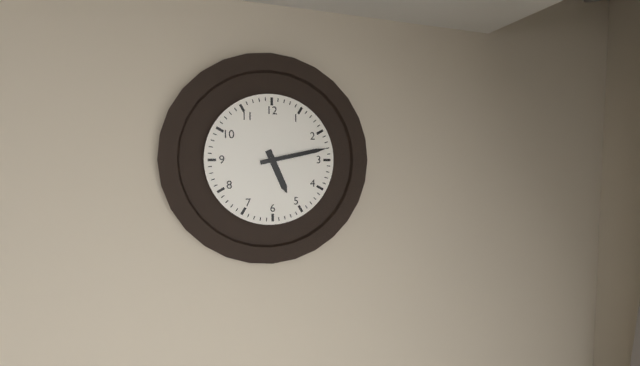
**5:13**
